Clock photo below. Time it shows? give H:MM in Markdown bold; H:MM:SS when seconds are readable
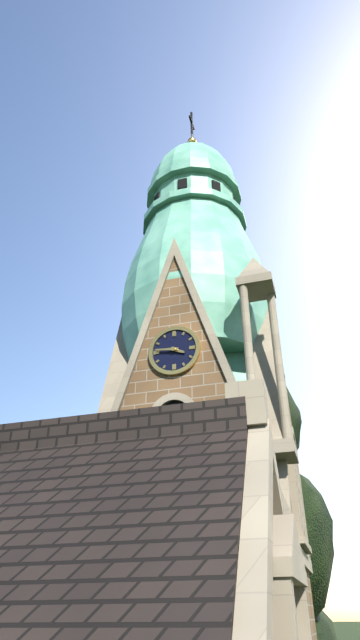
**3:46**
